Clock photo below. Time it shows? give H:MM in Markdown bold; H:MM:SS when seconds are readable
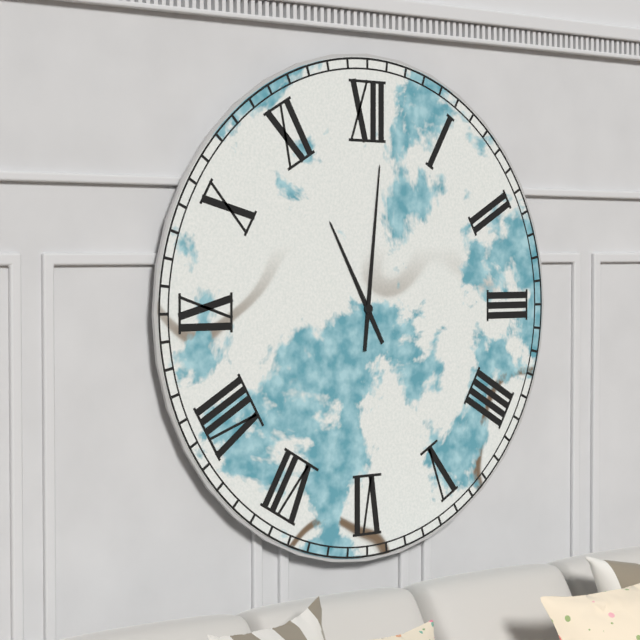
**11:01**
